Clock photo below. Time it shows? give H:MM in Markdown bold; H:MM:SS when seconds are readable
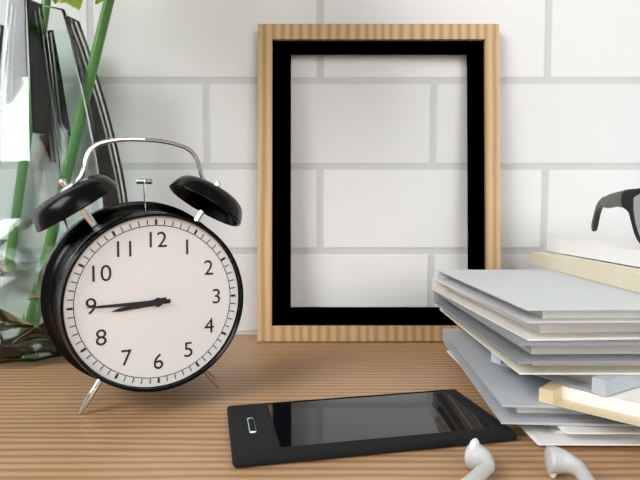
**8:45**
